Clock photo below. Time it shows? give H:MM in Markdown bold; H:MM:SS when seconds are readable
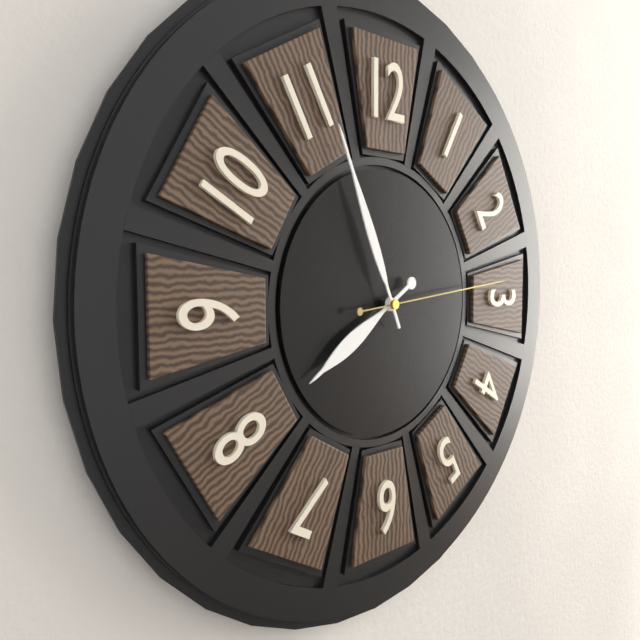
**7:56:14**
